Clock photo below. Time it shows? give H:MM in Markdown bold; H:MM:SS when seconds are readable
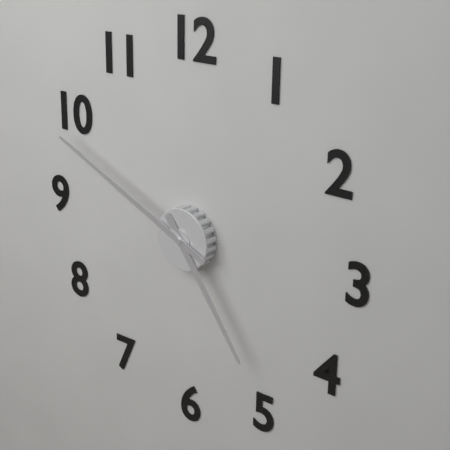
**4:49**
